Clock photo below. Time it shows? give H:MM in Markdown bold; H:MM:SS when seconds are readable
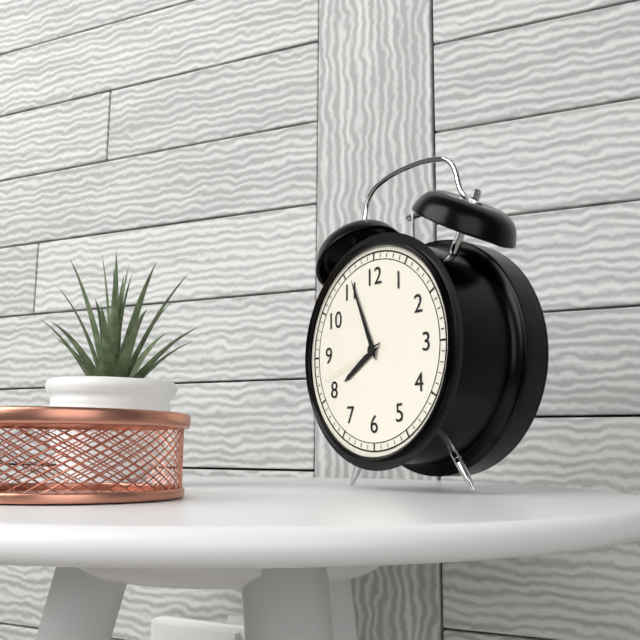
**7:56:42**
